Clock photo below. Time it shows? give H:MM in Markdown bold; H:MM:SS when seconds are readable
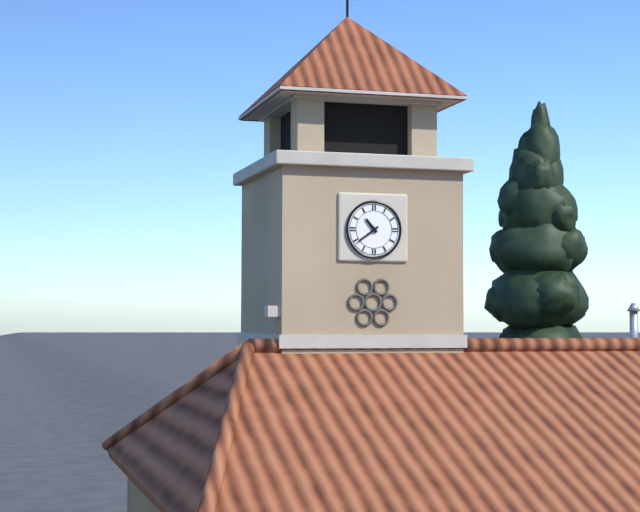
**10:39**
